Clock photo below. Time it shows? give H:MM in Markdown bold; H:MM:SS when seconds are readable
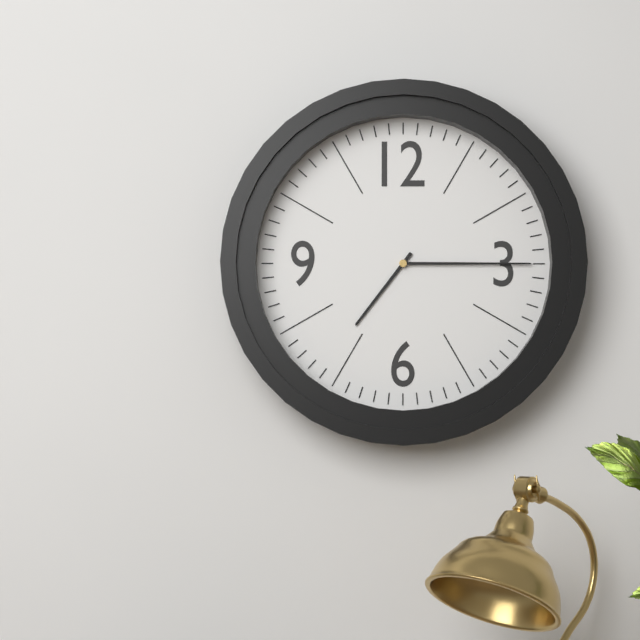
**7:15**
